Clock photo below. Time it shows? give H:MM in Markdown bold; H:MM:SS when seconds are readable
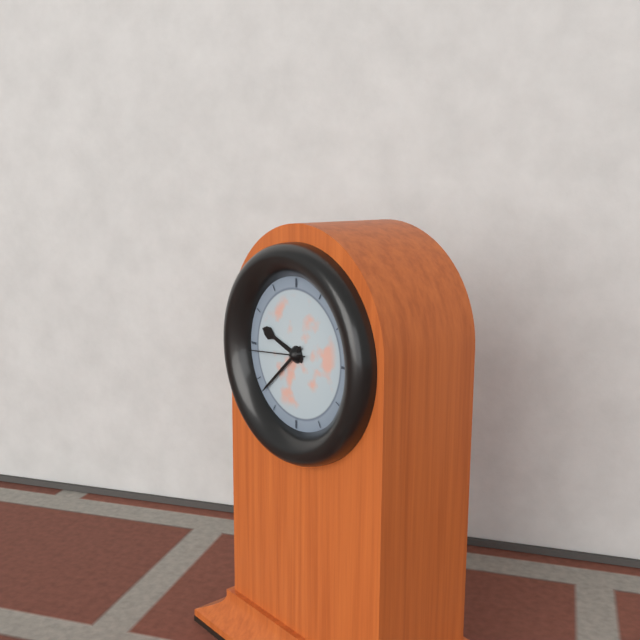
**9:38:44**
